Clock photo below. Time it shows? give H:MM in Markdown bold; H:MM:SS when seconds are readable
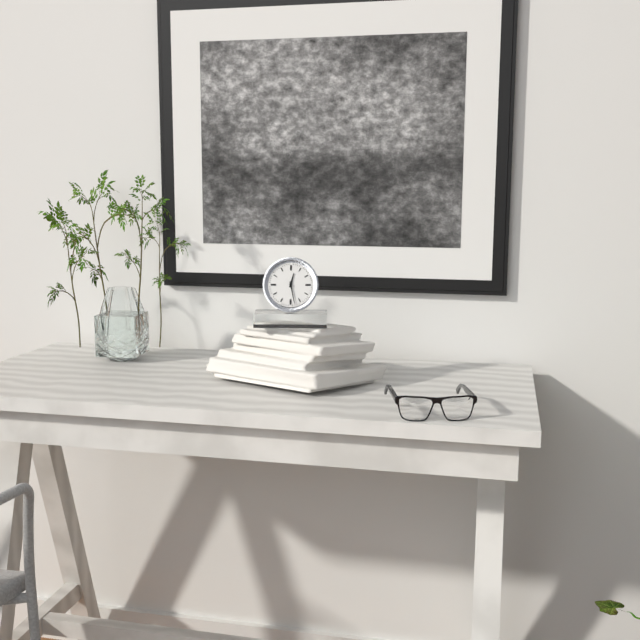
**12:28**
